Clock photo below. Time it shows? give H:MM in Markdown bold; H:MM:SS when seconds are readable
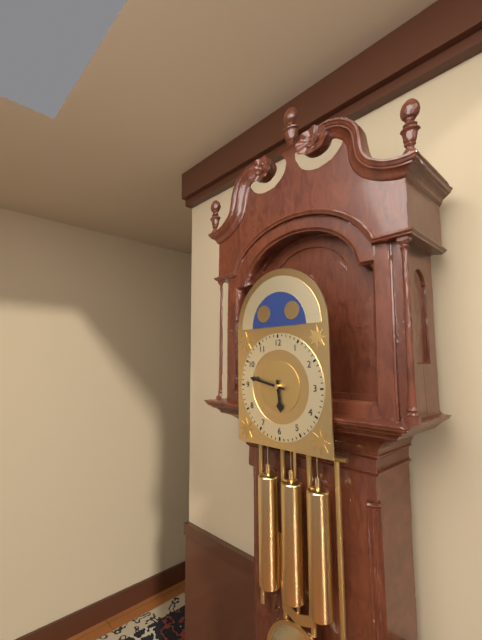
**5:47**
